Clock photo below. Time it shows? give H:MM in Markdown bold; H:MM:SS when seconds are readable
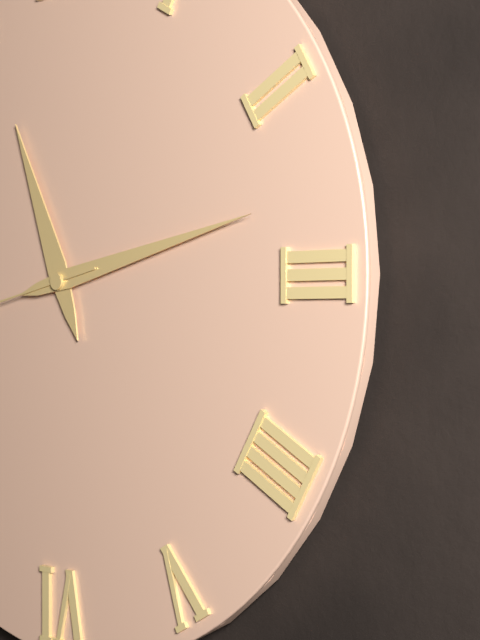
**11:13**
